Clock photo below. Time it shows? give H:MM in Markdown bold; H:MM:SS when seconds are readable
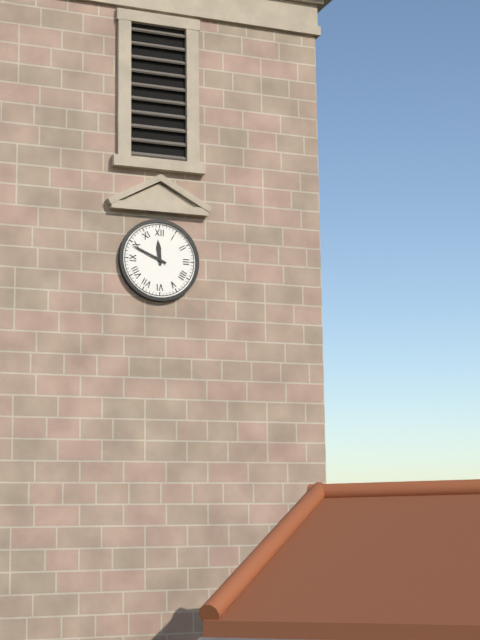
**11:49**
